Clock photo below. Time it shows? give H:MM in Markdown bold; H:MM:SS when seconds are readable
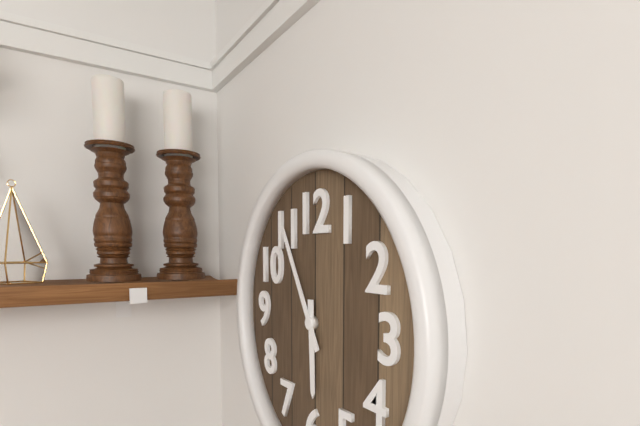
**5:55**
